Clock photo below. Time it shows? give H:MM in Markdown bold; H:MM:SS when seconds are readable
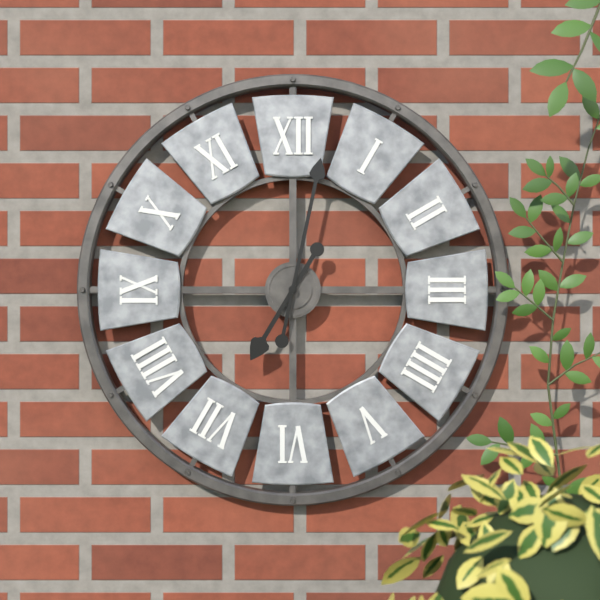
**7:02**
